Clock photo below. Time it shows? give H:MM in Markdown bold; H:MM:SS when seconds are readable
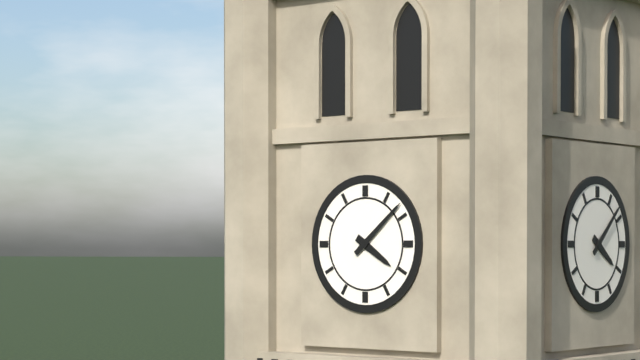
**4:08**
